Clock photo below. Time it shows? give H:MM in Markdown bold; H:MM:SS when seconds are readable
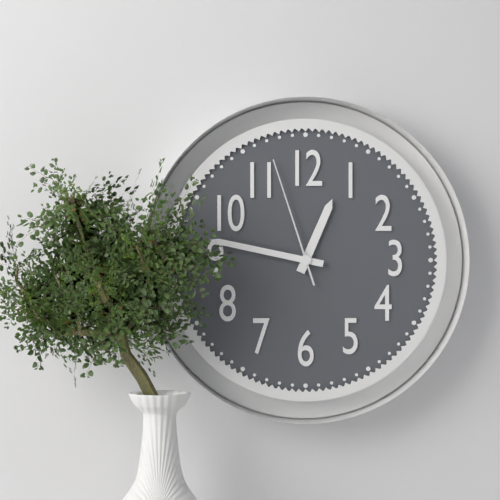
**12:47:57**
